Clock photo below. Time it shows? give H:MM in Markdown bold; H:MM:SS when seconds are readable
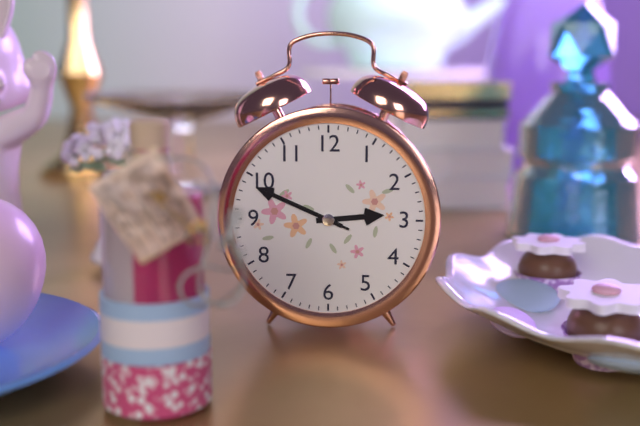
**2:49:49**
